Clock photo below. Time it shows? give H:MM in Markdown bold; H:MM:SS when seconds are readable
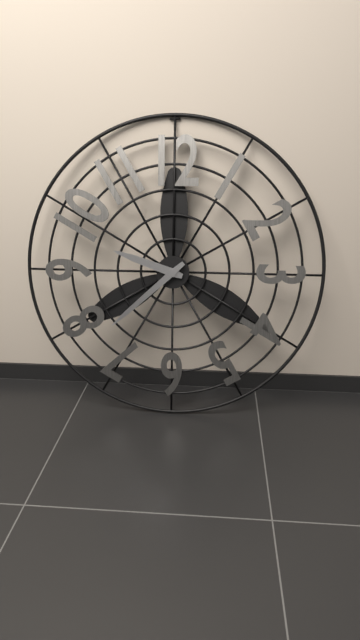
**9:38**
